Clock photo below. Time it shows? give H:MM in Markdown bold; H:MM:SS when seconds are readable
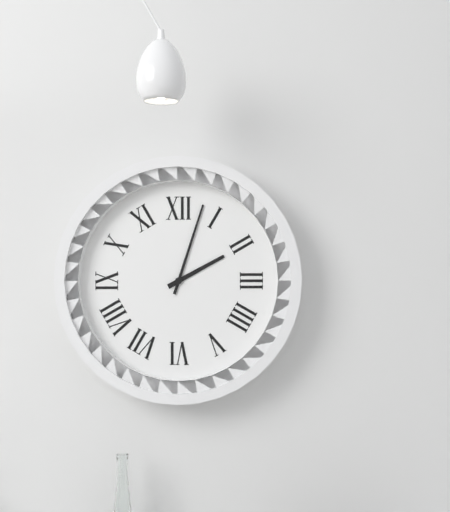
**2:03**
